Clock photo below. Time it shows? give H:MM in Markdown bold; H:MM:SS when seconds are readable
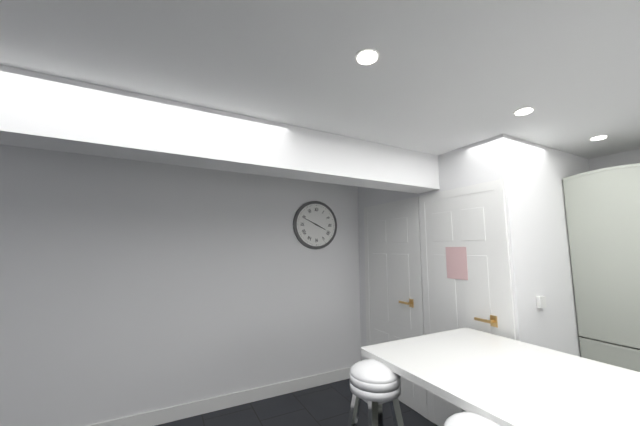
**3:49**
